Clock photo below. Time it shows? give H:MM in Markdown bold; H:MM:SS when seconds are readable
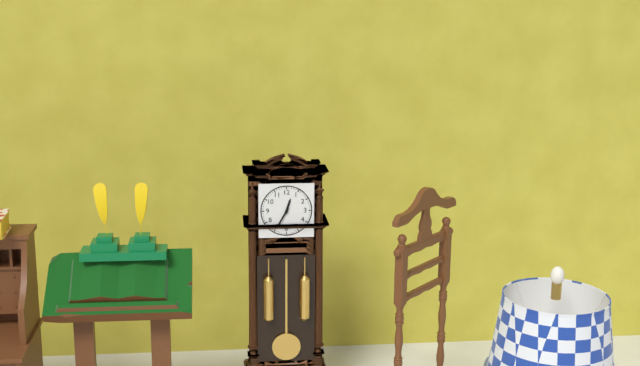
**12:35**
